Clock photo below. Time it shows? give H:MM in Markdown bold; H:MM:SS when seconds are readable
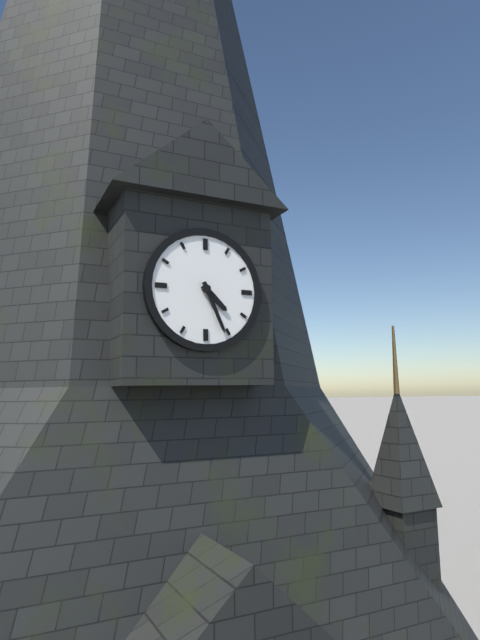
**4:26**
